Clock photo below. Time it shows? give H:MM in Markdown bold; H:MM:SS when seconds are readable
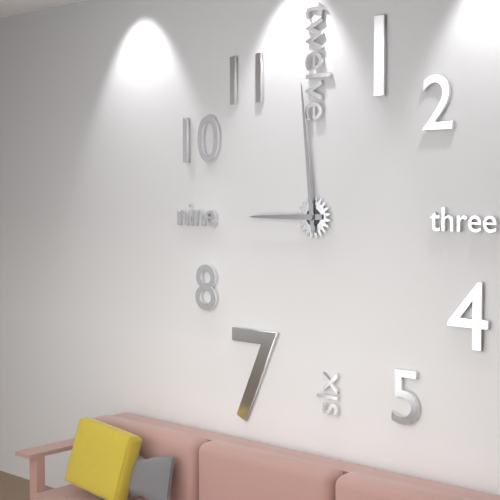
**8:59**
